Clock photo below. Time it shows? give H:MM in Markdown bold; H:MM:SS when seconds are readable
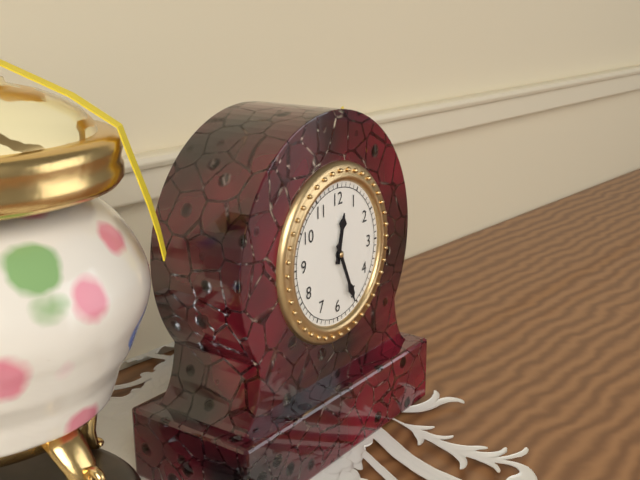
**12:26**
